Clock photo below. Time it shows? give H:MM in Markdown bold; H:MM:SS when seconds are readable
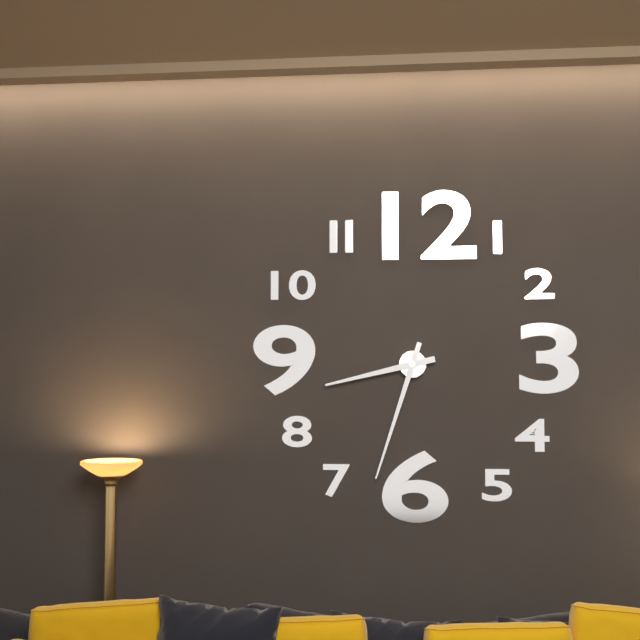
**8:33**
